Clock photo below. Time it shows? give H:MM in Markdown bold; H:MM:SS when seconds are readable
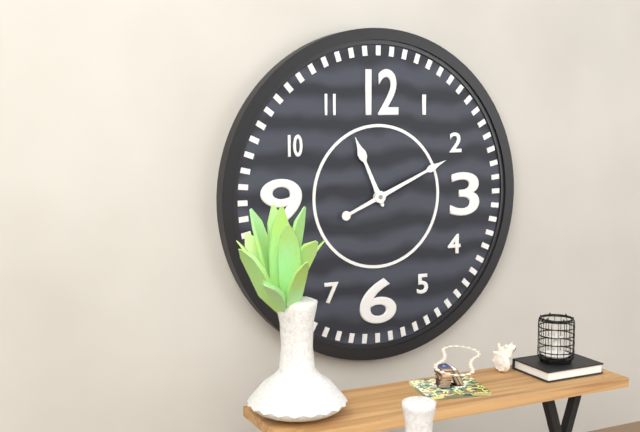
**11:11**
